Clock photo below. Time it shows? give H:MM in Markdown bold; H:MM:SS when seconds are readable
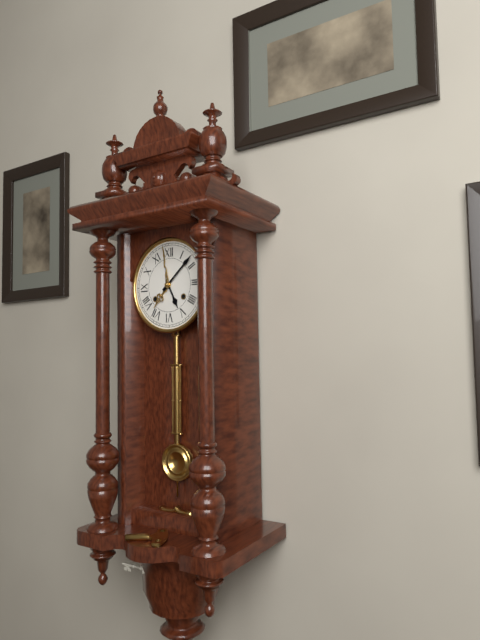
**5:08**
